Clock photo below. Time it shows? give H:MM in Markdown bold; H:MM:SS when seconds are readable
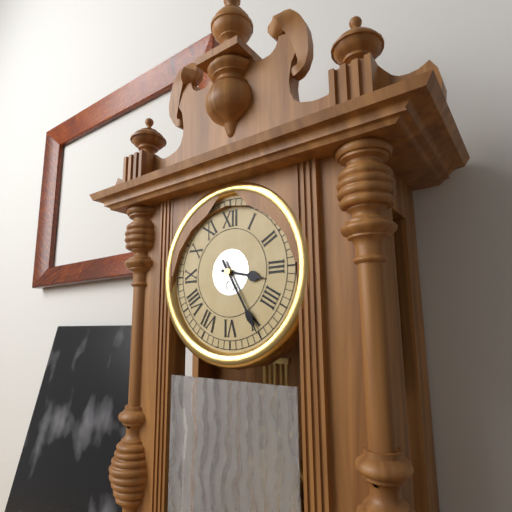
**3:25**
